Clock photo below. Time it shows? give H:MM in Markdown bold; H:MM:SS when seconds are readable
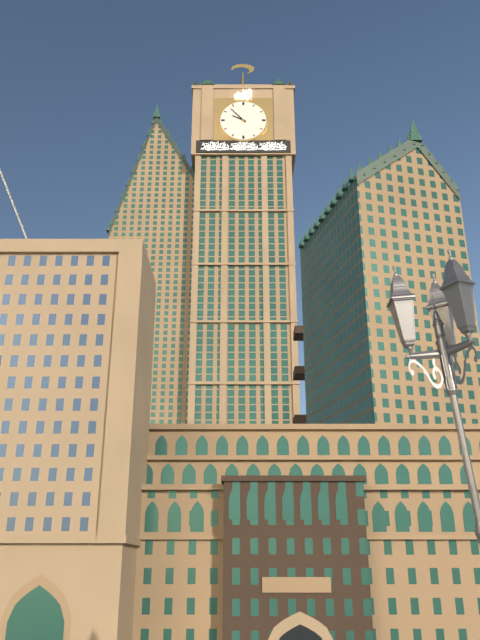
**9:53**
